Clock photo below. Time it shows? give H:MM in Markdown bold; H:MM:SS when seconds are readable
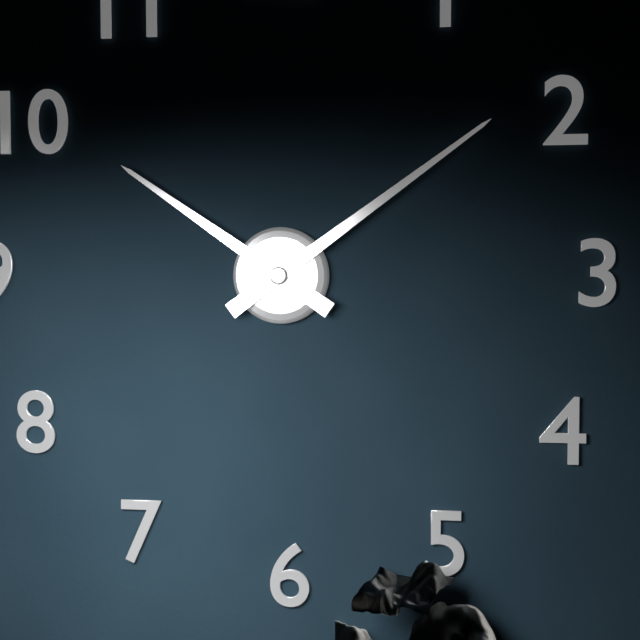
**10:09**
